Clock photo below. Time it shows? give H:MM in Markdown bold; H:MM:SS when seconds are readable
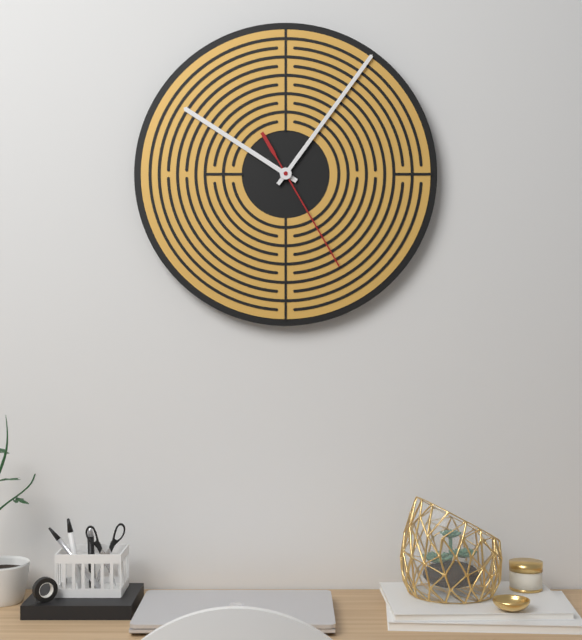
**10:06:25**
